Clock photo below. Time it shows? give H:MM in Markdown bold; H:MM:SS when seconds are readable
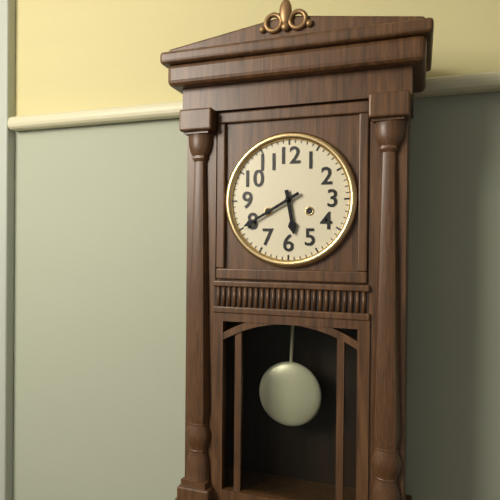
**5:40**
